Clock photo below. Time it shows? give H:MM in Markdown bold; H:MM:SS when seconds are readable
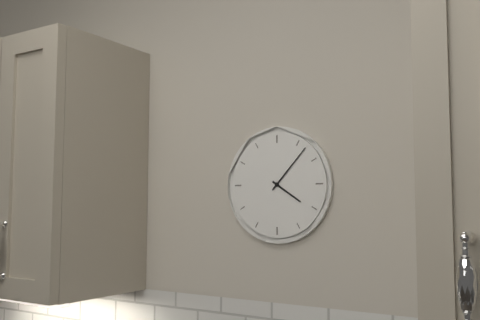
**4:07**
